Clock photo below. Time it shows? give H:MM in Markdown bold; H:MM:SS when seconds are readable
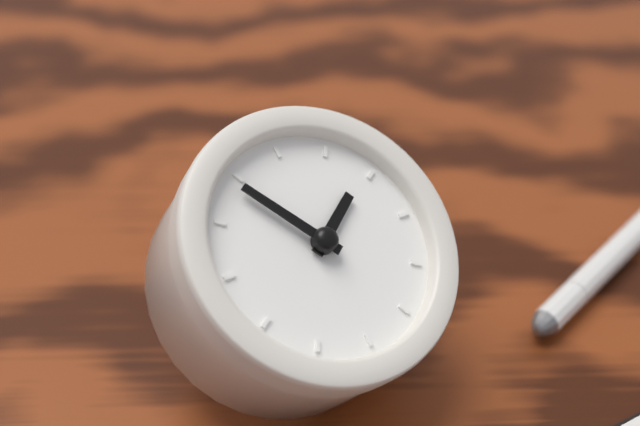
**12:49**
